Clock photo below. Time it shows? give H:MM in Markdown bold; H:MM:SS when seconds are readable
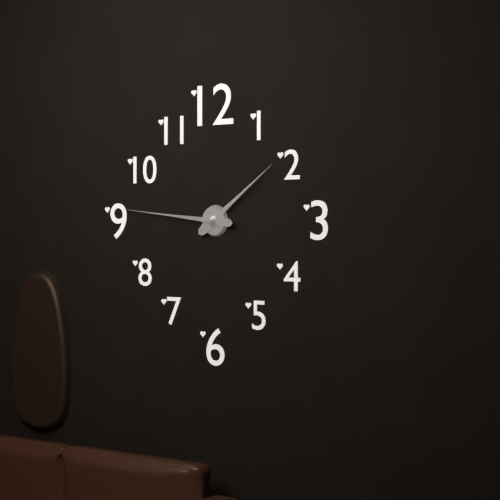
**1:46**
